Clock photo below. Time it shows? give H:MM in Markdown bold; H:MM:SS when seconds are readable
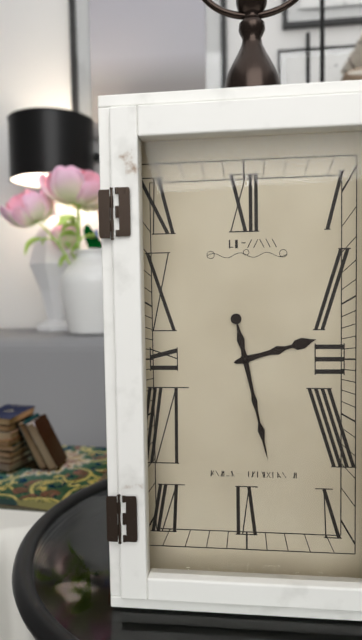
**2:28**
